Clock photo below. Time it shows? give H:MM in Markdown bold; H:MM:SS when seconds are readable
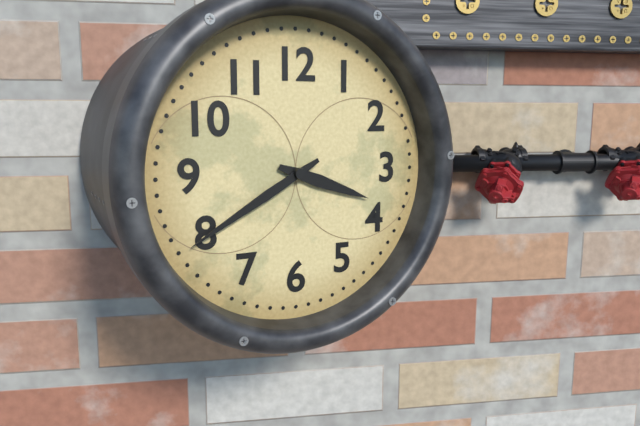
**3:40**
